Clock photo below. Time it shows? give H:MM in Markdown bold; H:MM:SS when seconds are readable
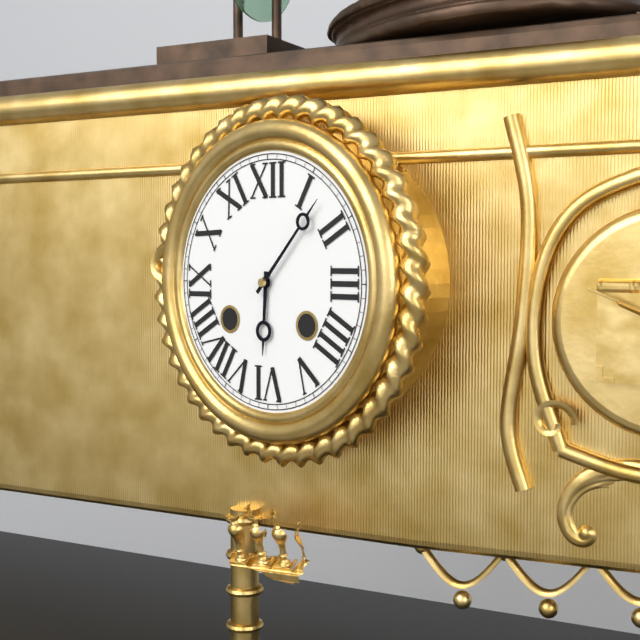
**6:07**
